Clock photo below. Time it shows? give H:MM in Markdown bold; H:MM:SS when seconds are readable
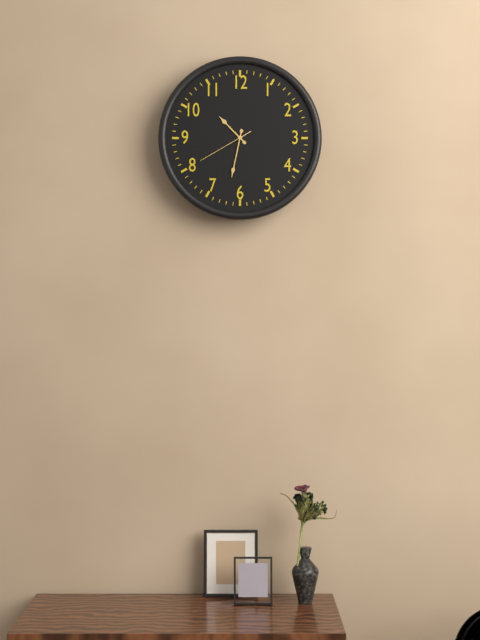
**10:32:40**
